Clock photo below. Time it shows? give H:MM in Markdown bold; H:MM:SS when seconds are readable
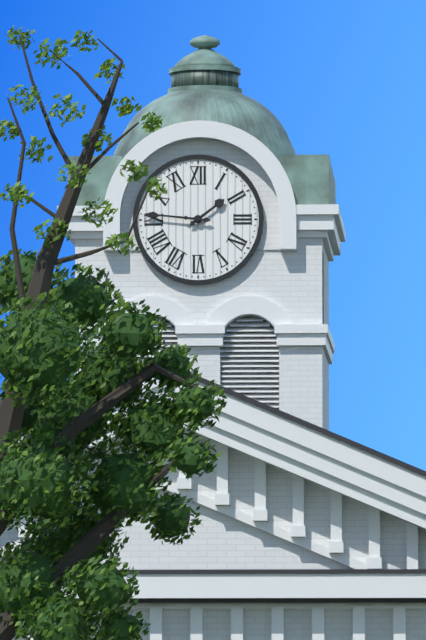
**1:46**
